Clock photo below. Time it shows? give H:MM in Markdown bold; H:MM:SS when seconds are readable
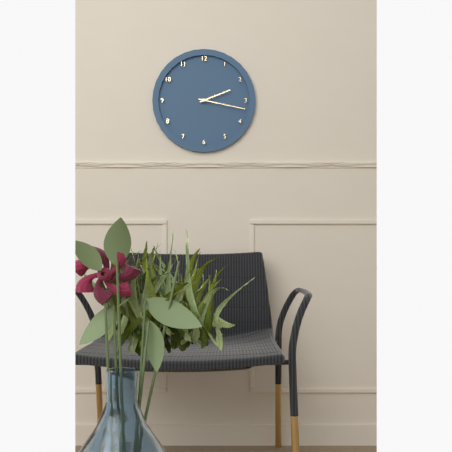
**2:17**
